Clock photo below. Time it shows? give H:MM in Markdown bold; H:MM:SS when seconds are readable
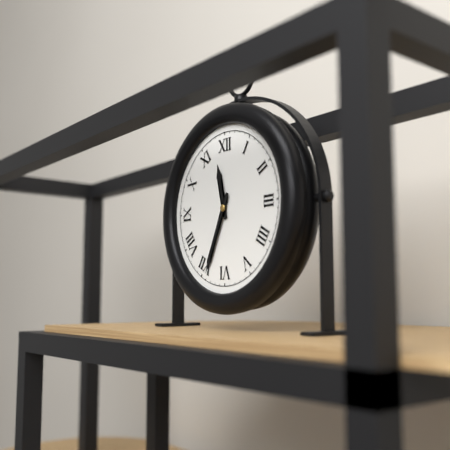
**11:34**
